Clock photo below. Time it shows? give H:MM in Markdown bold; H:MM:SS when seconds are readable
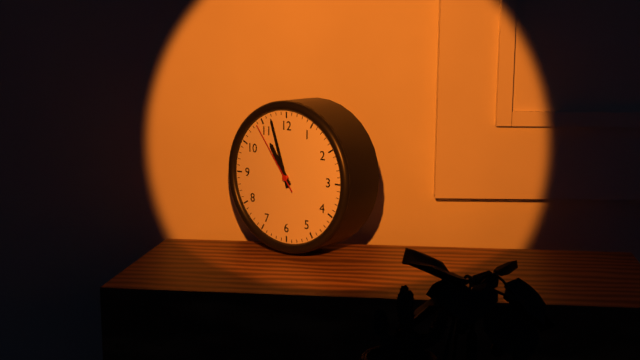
**10:57:54**
